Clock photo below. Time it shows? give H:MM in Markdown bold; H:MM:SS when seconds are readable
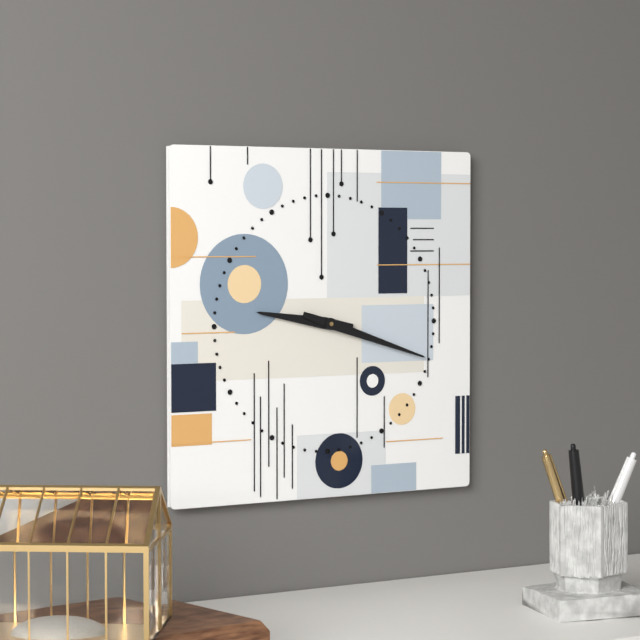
**9:18**
